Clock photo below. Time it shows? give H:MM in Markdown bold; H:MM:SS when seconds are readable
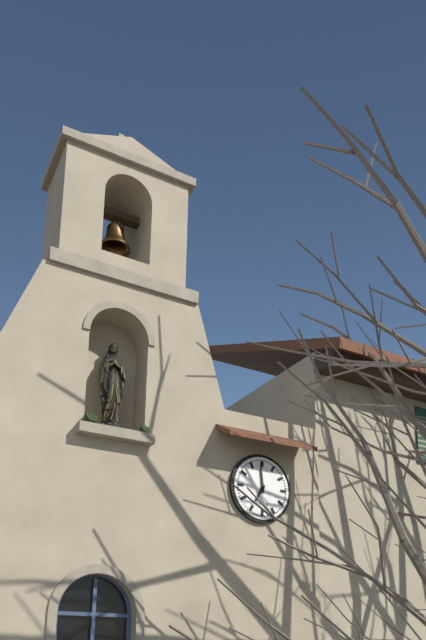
**6:59**
